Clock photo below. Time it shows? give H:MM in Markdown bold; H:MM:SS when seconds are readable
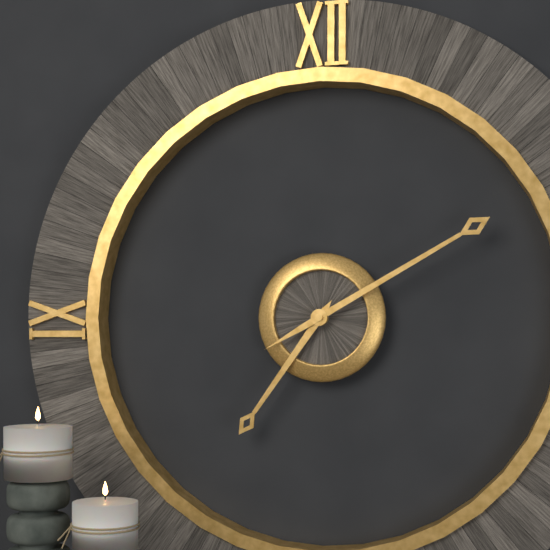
**7:10**
